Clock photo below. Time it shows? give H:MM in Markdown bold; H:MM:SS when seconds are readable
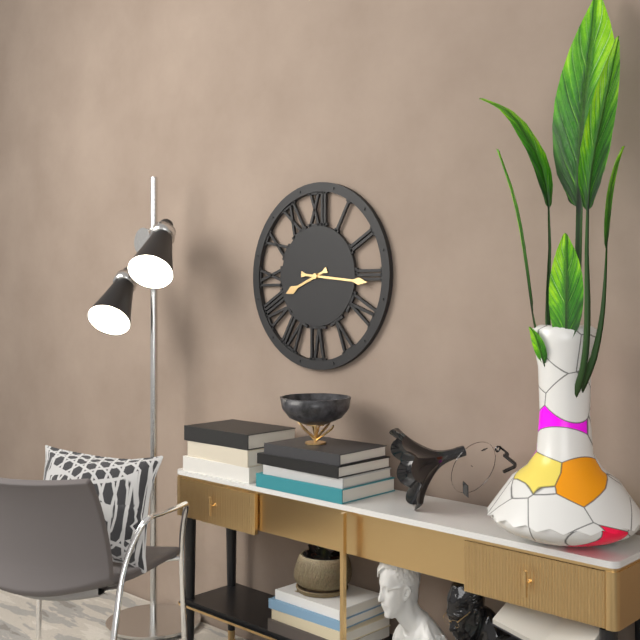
**8:16**
